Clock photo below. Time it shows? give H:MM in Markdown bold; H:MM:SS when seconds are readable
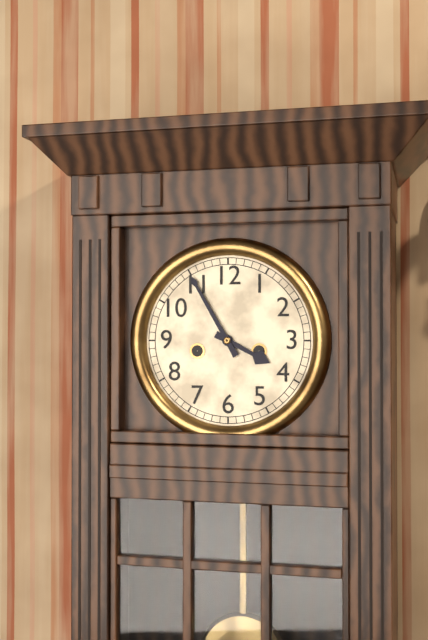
**3:55**
